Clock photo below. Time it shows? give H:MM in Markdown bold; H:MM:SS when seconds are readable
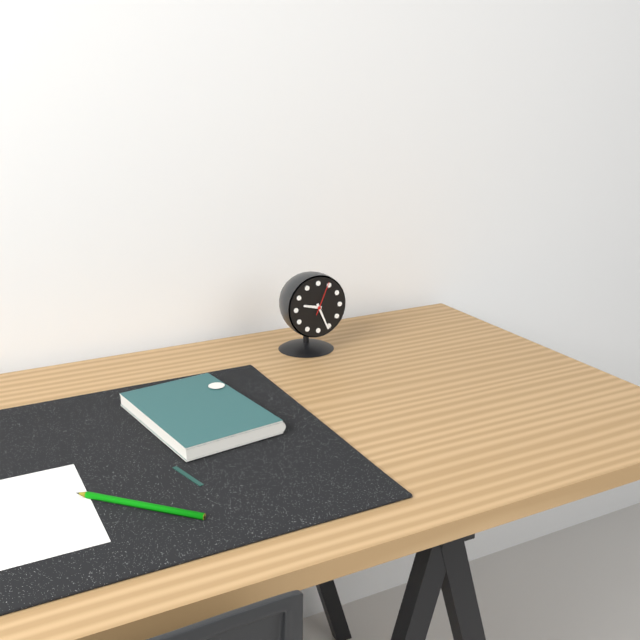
**9:26**
